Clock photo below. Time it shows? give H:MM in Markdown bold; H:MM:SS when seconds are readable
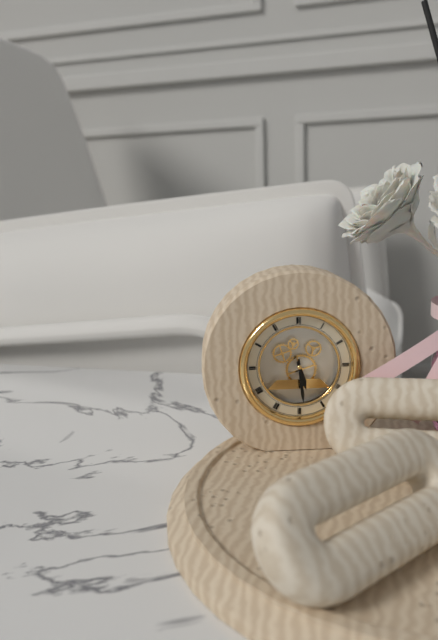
**5:29**
